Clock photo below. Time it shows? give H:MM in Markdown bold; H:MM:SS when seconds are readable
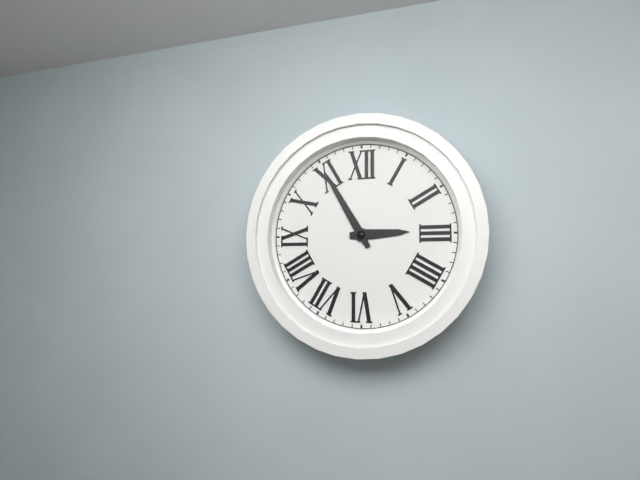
**2:55**
